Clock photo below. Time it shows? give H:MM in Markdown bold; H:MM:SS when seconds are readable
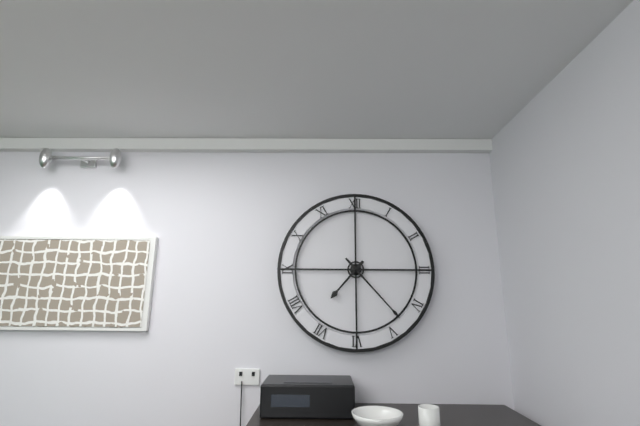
**7:23**
